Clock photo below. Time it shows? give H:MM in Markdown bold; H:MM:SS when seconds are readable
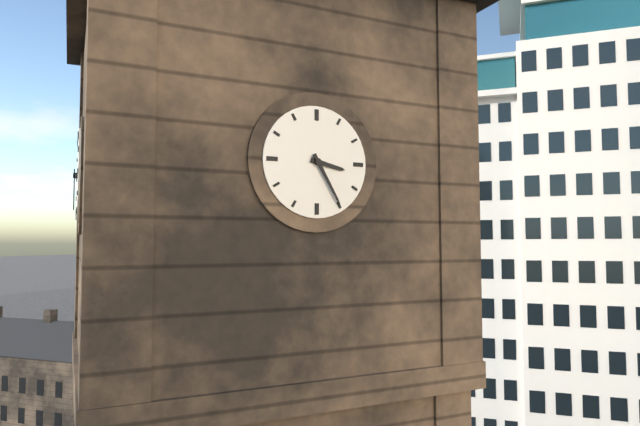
**3:25**
